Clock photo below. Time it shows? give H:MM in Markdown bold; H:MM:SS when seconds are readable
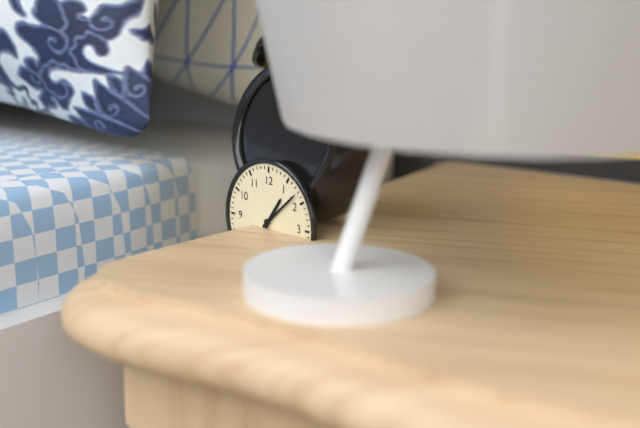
**1:08**
